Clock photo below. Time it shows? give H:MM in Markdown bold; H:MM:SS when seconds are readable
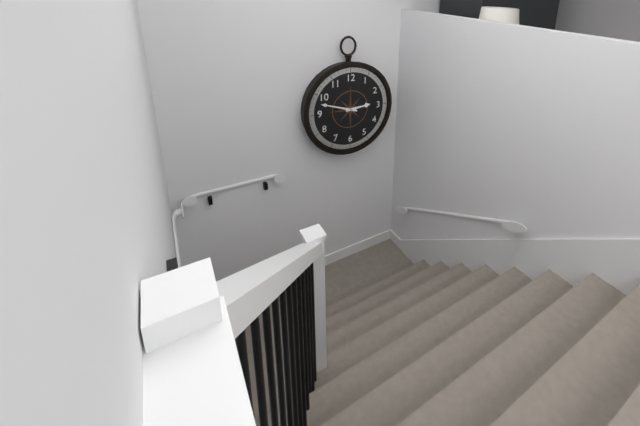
**2:48**
